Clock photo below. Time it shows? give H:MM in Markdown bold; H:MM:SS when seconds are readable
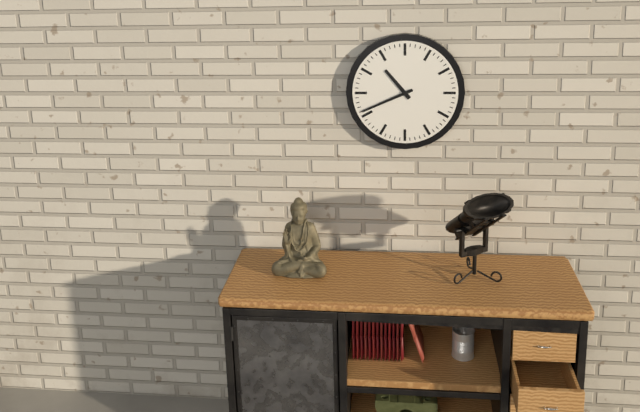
**10:41**
